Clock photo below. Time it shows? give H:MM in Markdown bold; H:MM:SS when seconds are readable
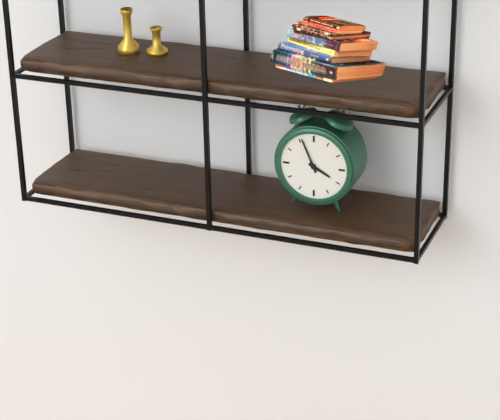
**3:56**
